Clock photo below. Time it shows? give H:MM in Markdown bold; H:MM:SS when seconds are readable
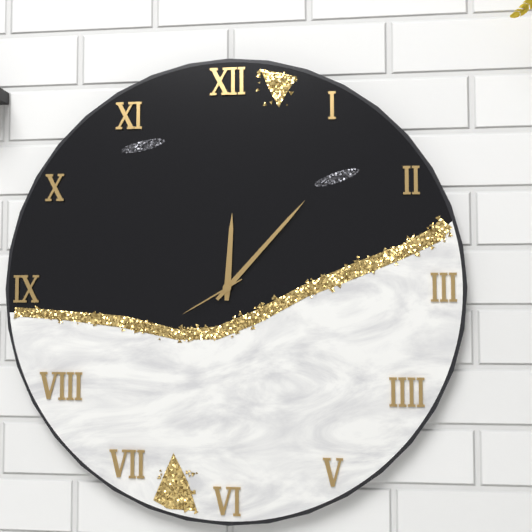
**12:07:40**
